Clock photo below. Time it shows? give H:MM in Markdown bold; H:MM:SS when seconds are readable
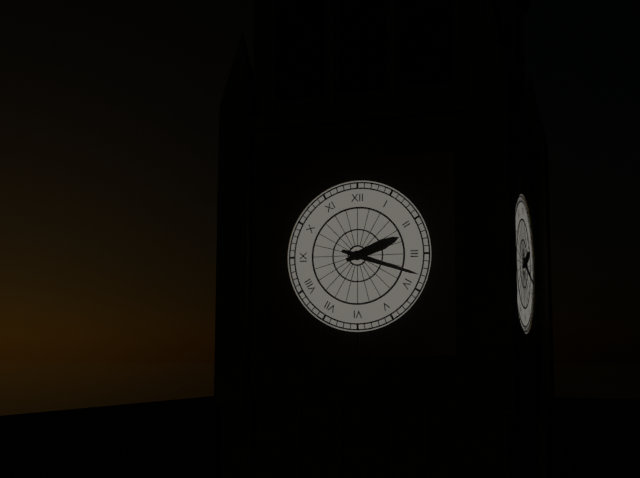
**2:18**
